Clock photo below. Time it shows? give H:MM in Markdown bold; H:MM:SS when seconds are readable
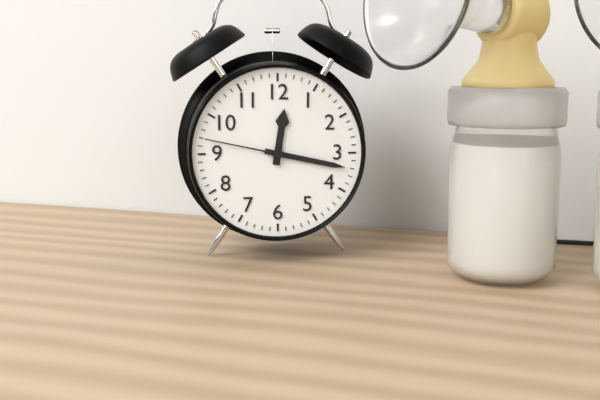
**12:17:47**
